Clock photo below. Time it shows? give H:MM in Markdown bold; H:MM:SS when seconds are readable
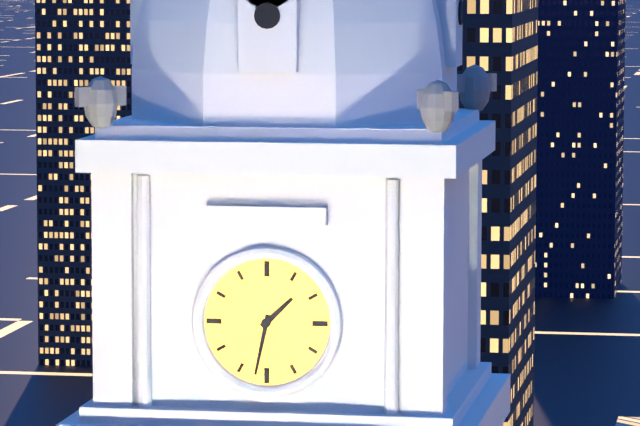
**1:32**
